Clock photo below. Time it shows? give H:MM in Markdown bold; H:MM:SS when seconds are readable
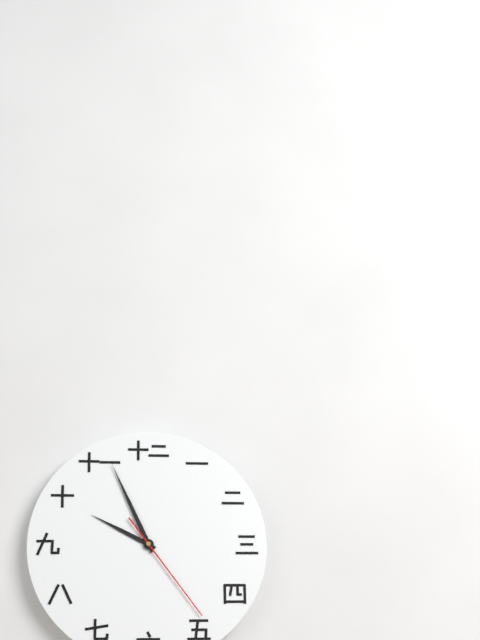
**9:56:24**
